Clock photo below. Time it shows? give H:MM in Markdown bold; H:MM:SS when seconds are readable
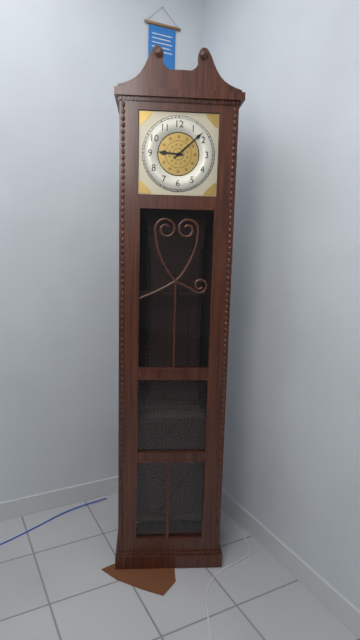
**9:08**
